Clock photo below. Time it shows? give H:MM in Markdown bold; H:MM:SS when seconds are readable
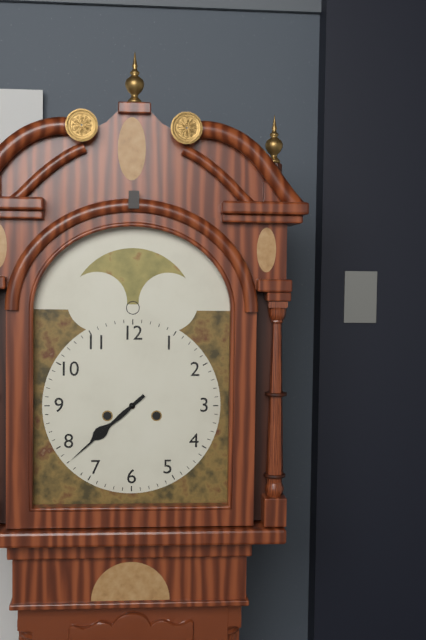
**7:38**
